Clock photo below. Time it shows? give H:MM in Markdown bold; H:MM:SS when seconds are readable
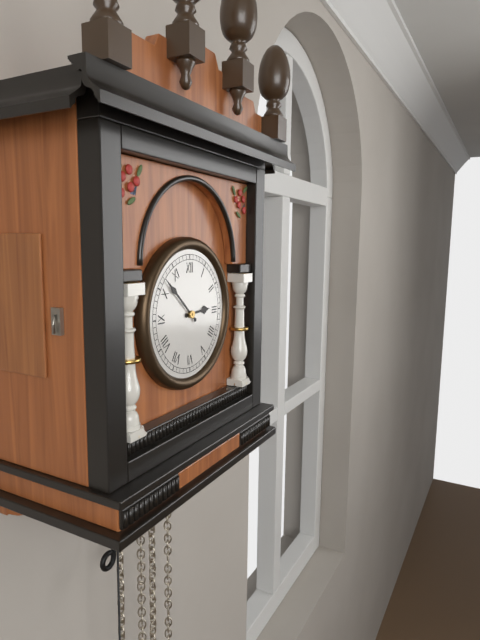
**2:52**
